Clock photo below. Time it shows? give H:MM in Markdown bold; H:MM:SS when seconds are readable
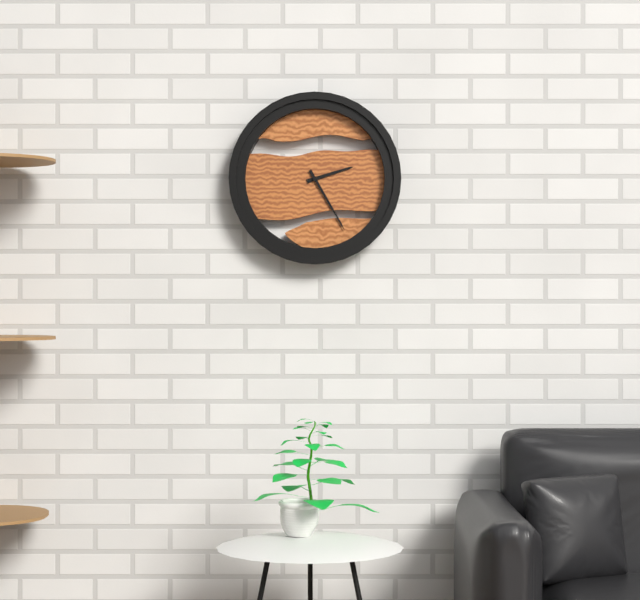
**2:25**
